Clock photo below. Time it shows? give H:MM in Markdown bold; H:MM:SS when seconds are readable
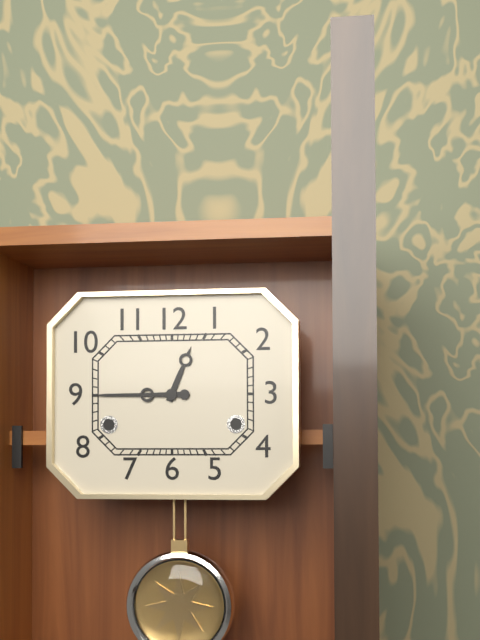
**12:45**
